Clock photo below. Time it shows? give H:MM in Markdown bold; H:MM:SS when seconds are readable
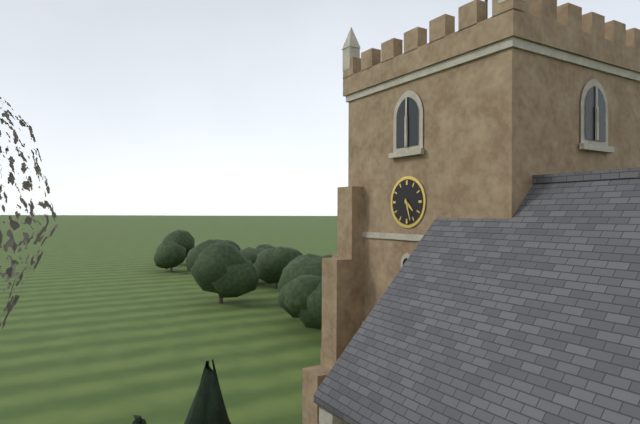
**4:27**
